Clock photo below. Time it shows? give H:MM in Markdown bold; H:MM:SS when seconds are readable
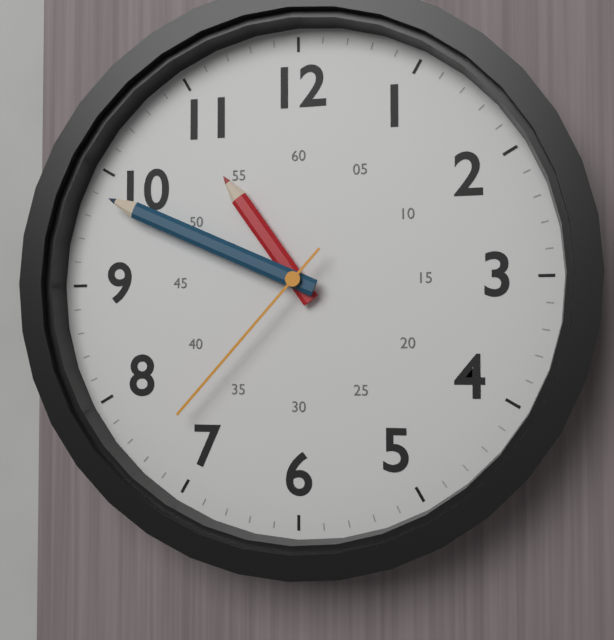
**10:49:37**
